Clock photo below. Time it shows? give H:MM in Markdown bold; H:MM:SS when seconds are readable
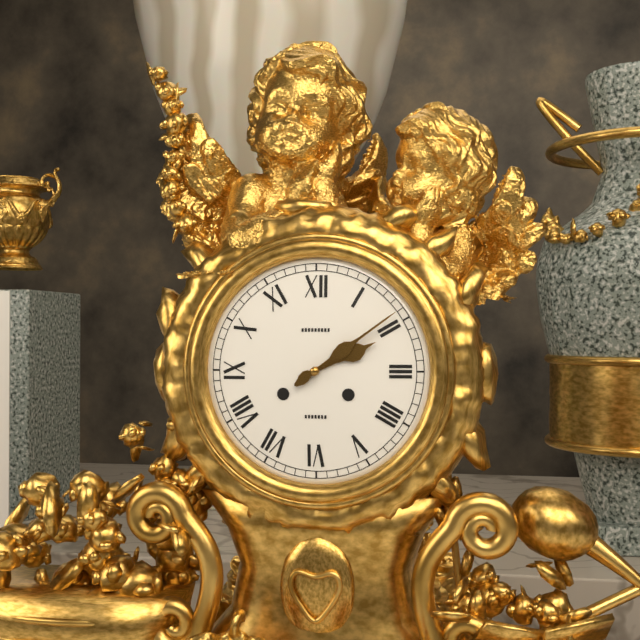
**2:09**
